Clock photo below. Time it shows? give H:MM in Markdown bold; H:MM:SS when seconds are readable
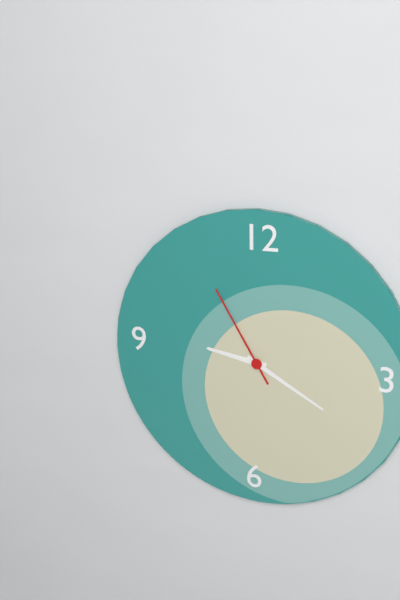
**9:20:55**
